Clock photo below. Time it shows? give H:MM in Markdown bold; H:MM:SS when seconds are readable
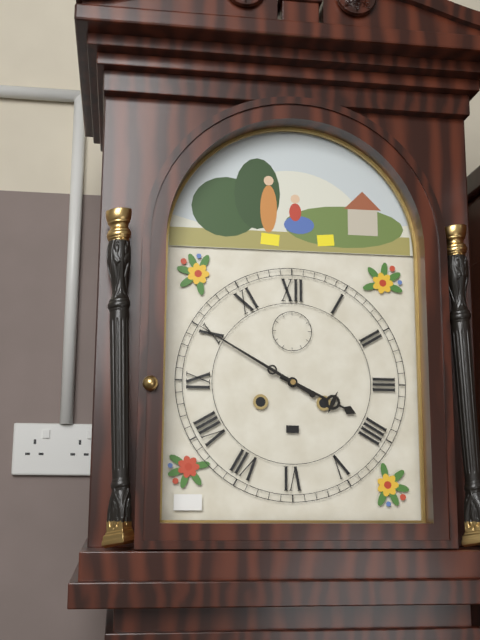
**3:50**
